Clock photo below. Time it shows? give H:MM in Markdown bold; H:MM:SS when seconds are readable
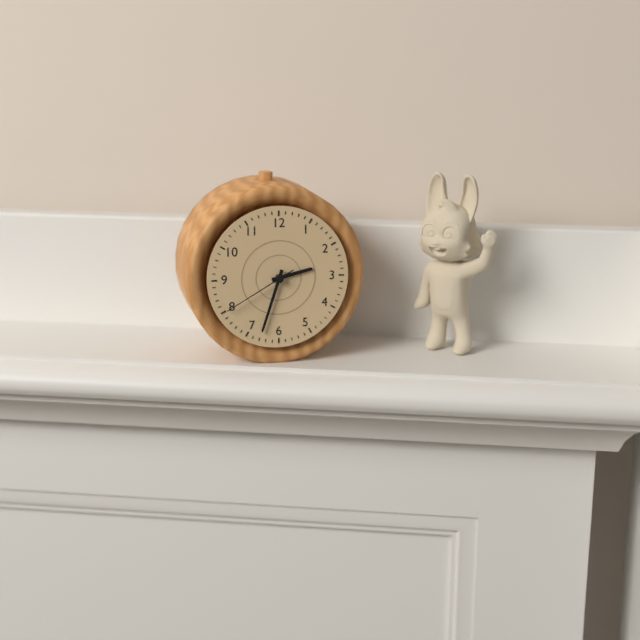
**2:33:40**
